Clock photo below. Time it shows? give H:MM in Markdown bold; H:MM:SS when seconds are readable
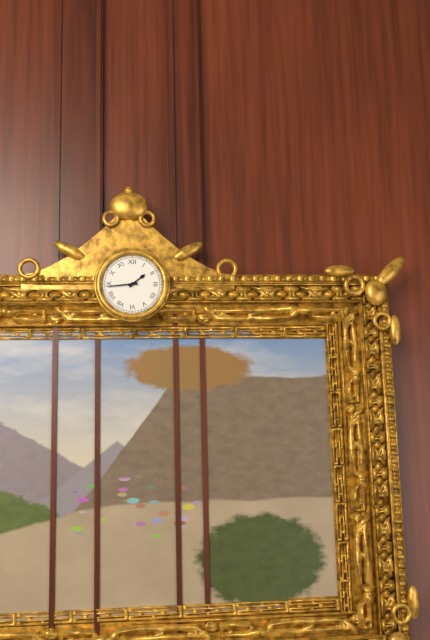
**1:44**
